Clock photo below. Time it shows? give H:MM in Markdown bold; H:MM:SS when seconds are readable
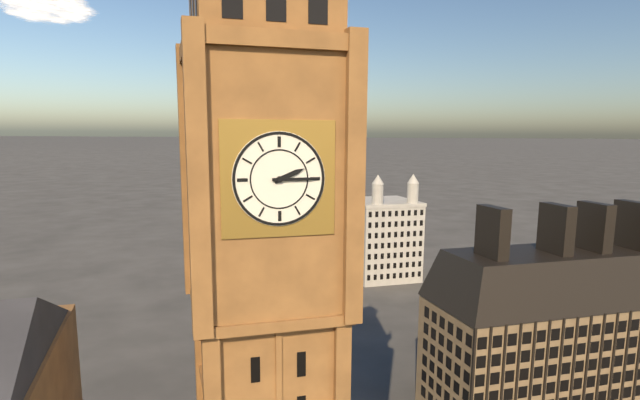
**2:15**
